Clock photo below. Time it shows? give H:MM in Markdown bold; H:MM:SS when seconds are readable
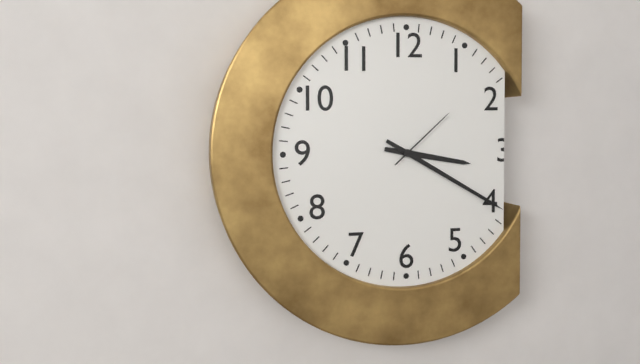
**3:20:08**
